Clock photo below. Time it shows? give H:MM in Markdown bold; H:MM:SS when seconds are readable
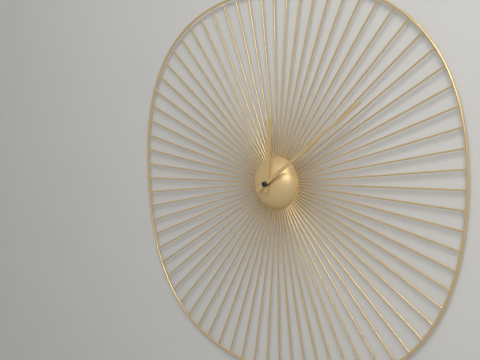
**12:09**
